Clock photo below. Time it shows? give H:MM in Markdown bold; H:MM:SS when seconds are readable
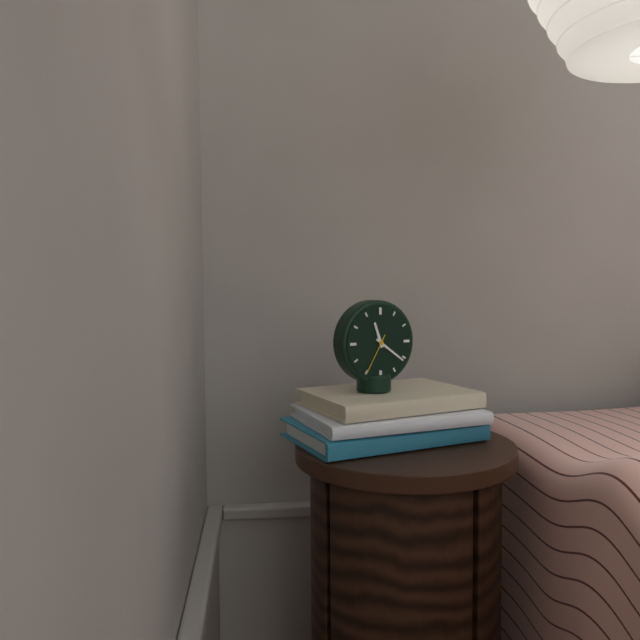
**11:21**
